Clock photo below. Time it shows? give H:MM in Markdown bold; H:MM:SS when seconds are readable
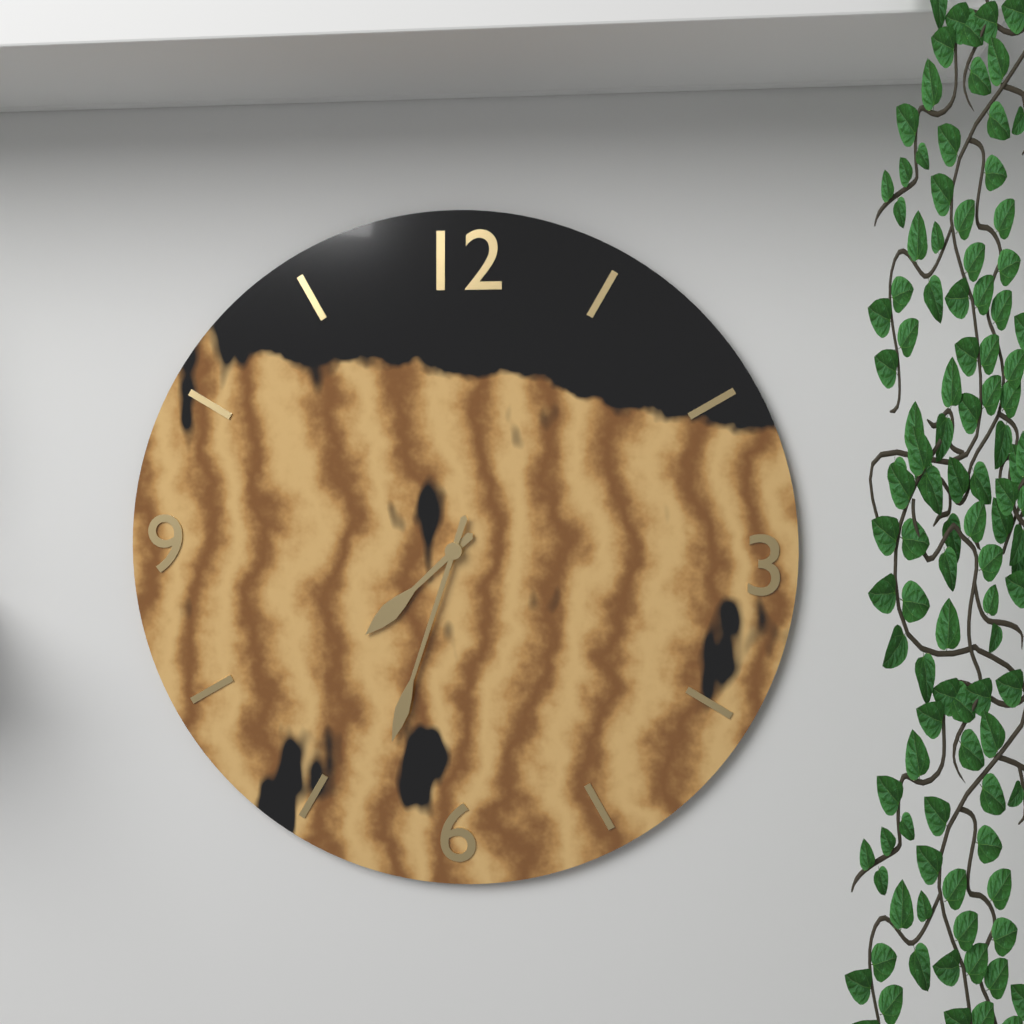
**7:33**
